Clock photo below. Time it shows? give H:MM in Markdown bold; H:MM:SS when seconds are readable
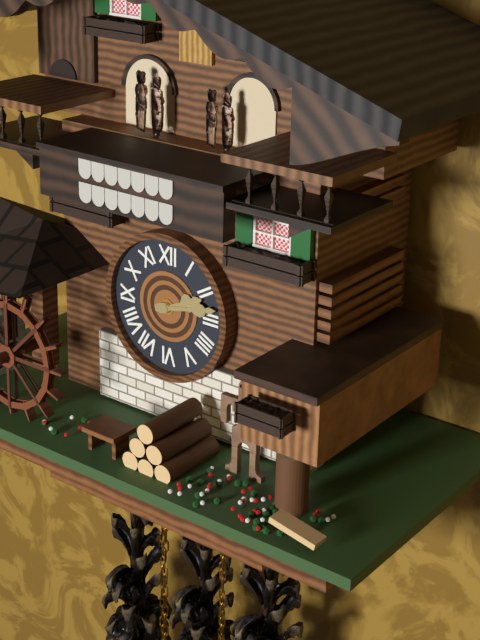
**2:13**
